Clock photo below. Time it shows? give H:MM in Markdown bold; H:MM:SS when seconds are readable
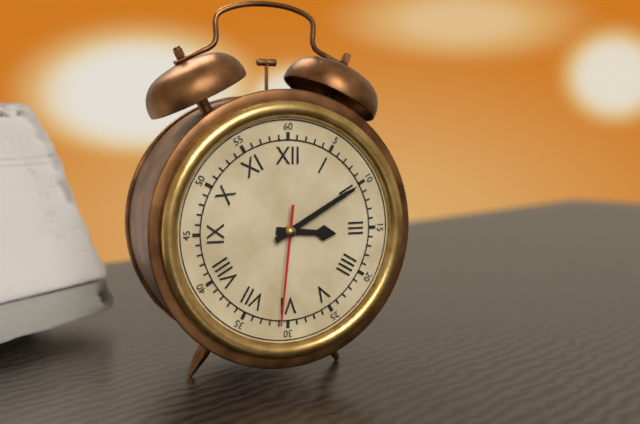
**3:10:31**
